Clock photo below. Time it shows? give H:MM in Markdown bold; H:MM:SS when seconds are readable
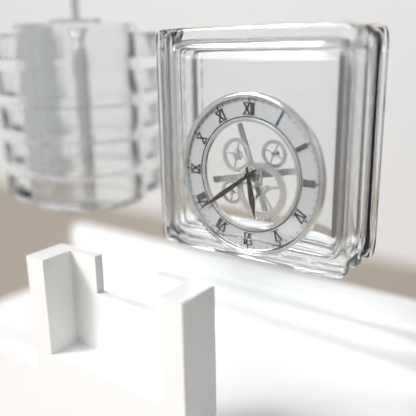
**5:39**
